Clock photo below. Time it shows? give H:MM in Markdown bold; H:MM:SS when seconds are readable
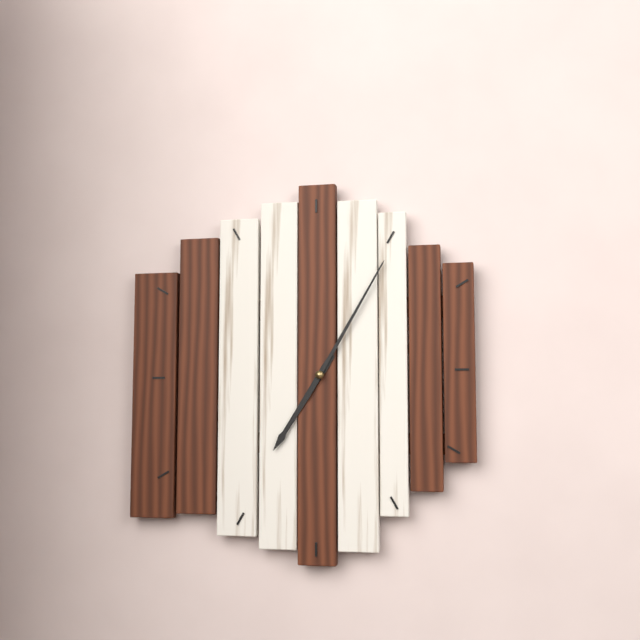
**7:05**
